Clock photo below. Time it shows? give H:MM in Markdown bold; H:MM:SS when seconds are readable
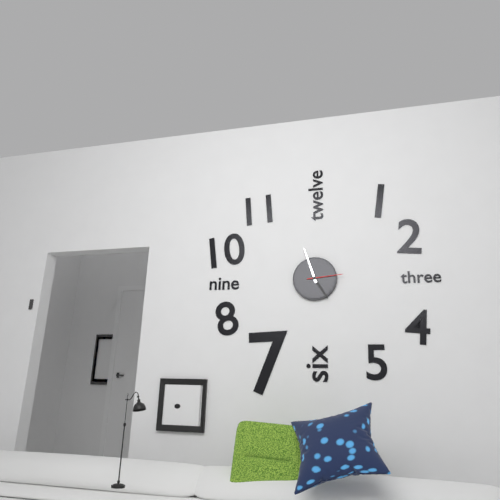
**4:57**
